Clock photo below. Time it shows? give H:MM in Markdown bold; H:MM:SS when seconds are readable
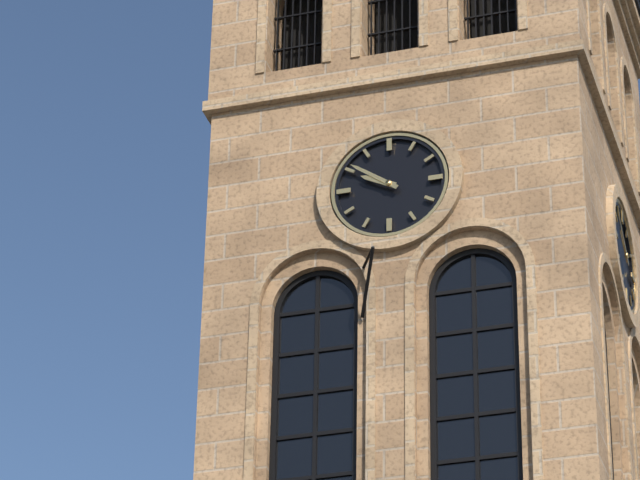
**9:51**
